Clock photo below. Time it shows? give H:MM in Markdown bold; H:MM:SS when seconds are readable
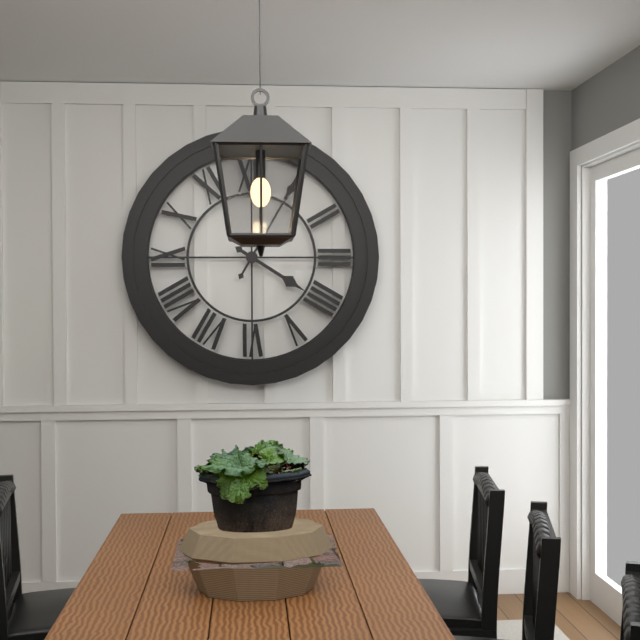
**4:05**
